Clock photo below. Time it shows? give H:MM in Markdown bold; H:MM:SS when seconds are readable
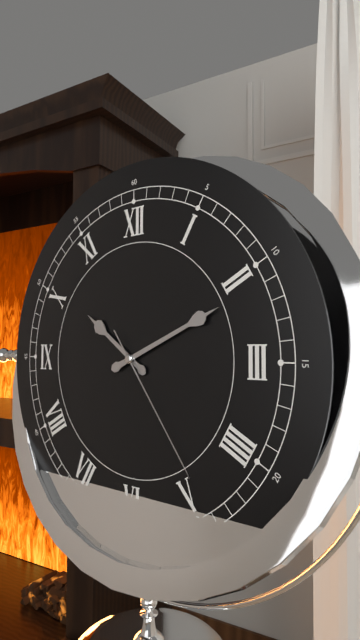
**10:11:24**
